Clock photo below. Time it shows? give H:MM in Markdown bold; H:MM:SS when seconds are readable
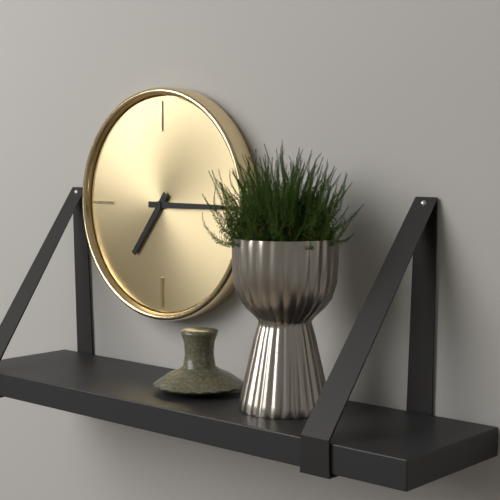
**7:15**
